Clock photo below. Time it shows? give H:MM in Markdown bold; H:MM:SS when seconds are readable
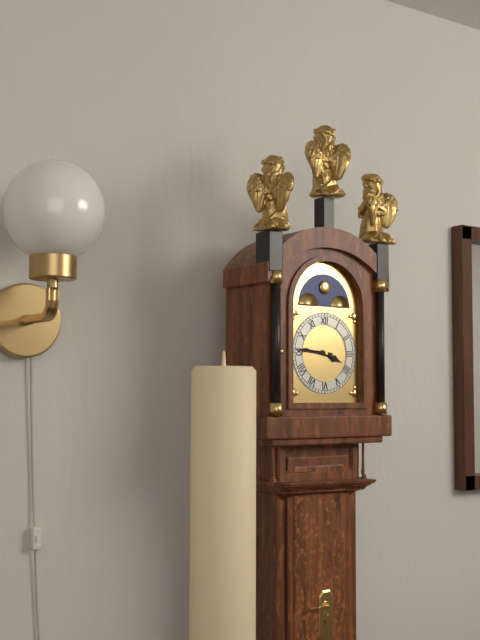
**3:46**
